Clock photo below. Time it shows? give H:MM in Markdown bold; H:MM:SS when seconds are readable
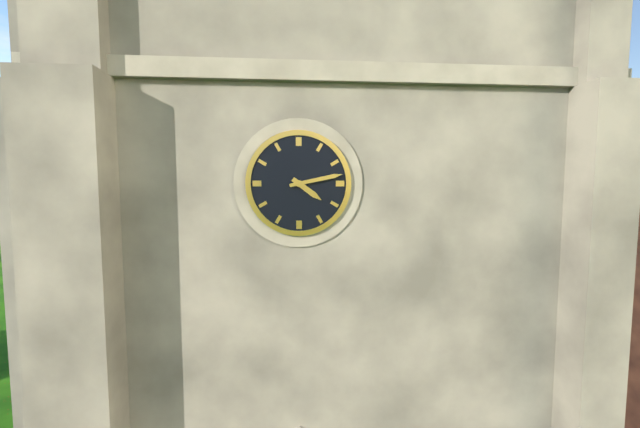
**4:13**
